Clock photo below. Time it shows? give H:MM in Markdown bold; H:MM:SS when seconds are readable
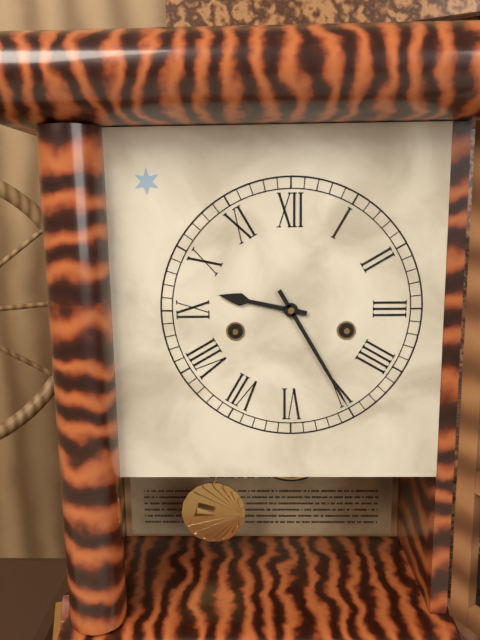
**9:25**
